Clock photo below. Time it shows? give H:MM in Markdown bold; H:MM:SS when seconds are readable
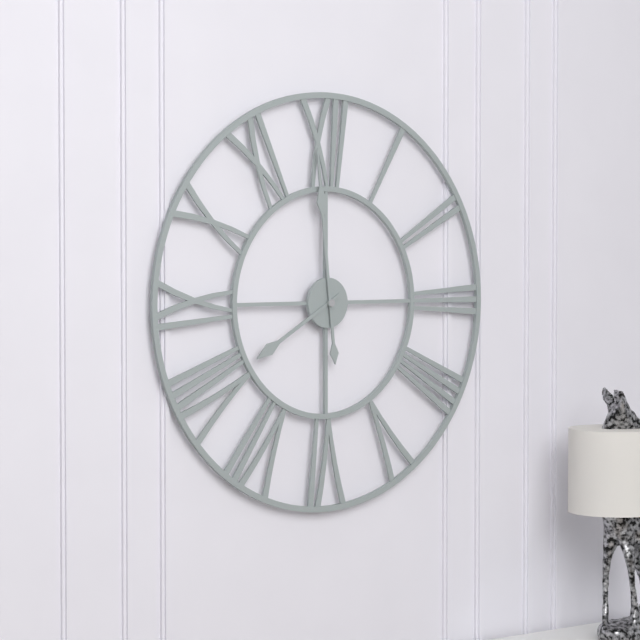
**7:59**
